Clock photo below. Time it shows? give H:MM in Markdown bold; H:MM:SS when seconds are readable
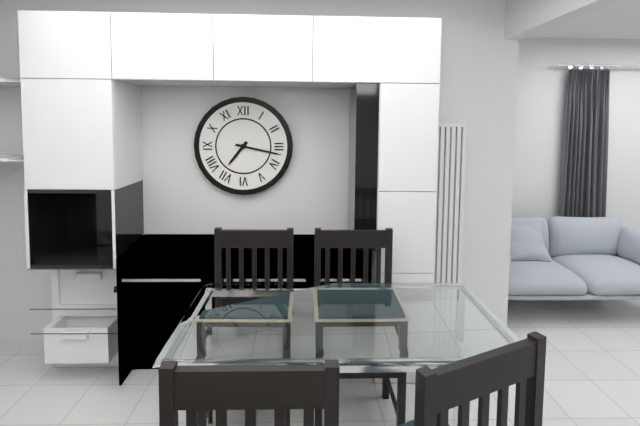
**7:17**
